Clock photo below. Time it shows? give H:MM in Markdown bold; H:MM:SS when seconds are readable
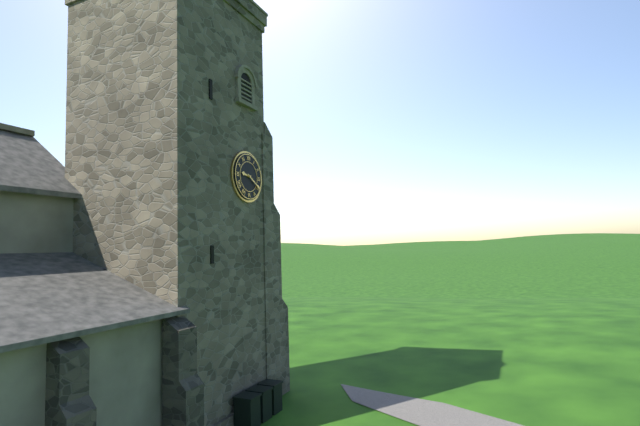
**9:20**
